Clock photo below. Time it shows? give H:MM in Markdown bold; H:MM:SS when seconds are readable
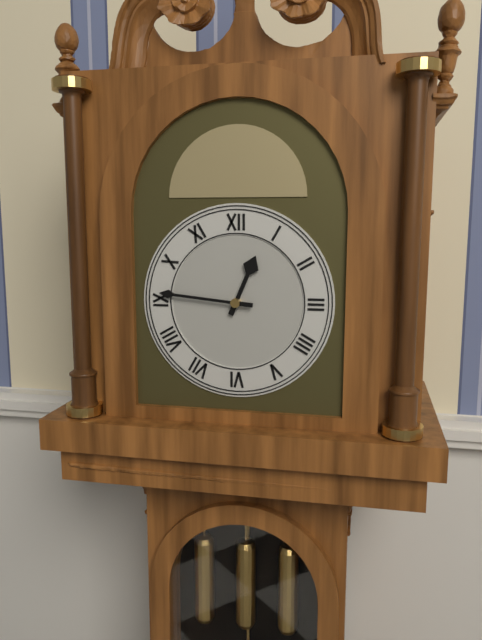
**12:46**
